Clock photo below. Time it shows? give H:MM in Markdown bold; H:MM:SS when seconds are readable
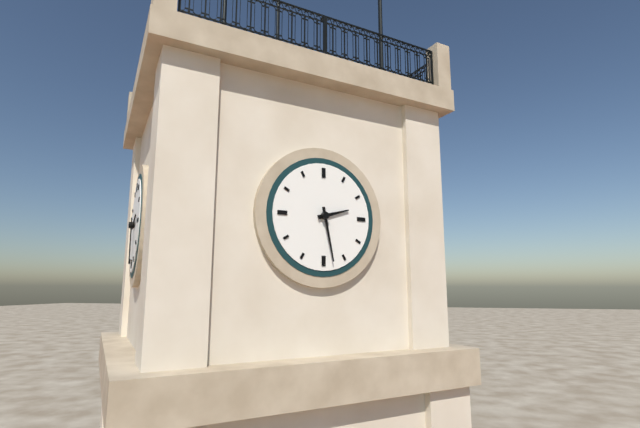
**2:28**
